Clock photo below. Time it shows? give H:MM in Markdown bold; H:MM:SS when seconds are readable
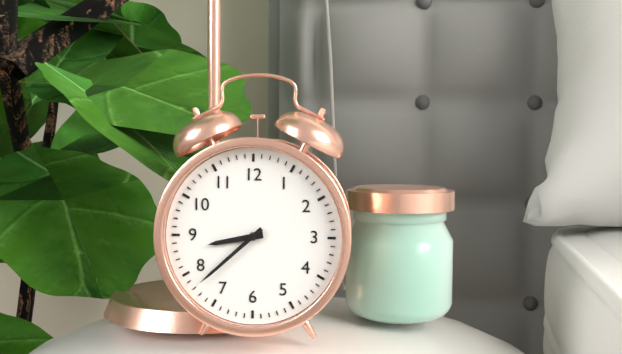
**8:38**
